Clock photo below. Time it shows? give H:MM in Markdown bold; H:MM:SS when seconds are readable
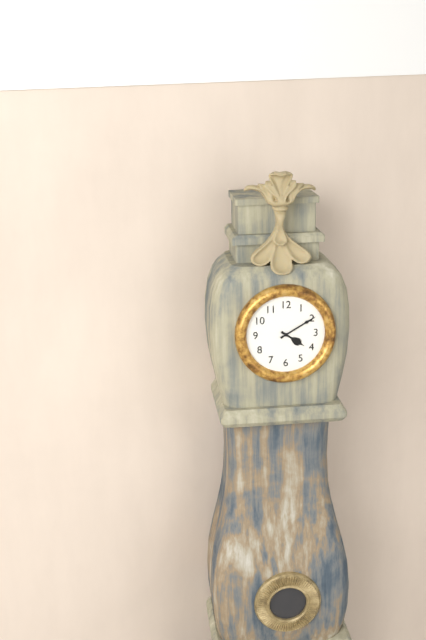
**4:10**
